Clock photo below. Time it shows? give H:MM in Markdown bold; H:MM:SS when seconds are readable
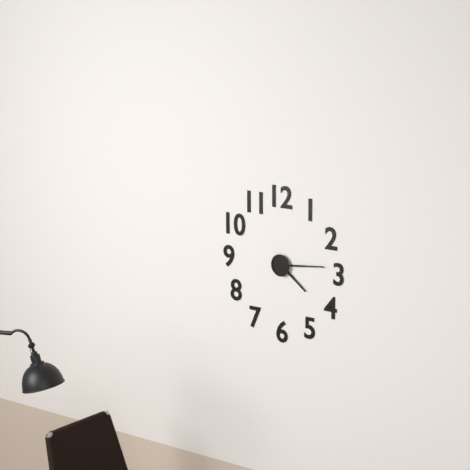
**4:14**
